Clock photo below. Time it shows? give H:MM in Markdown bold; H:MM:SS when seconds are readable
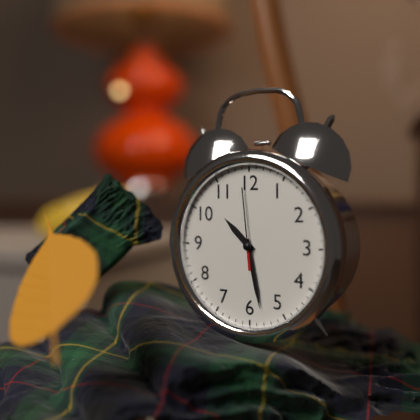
**10:28:59**
